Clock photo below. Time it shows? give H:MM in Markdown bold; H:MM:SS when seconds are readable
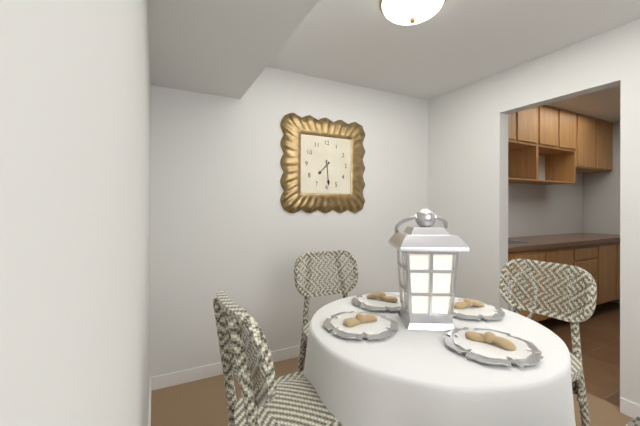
**7:29**
